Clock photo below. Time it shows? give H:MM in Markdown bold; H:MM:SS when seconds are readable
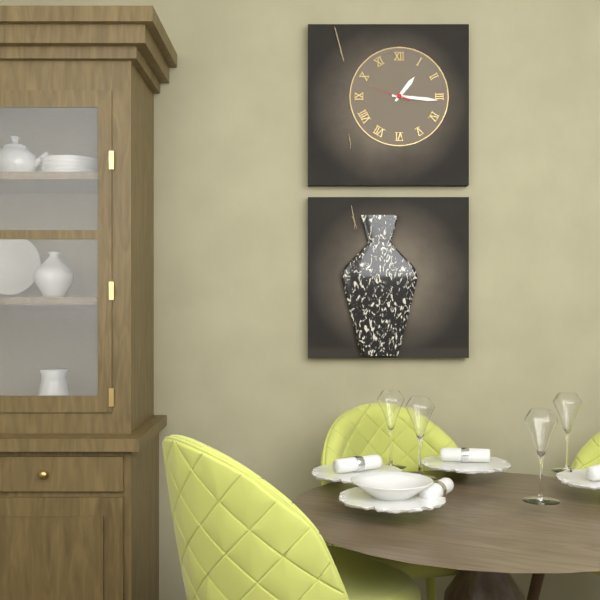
**1:16**
